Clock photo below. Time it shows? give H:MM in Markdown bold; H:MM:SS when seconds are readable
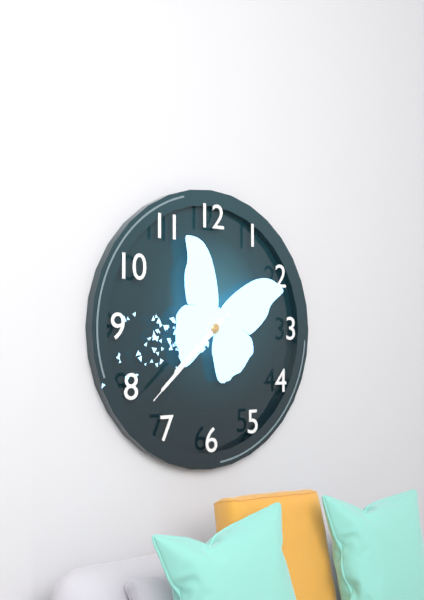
**7:38:38**
